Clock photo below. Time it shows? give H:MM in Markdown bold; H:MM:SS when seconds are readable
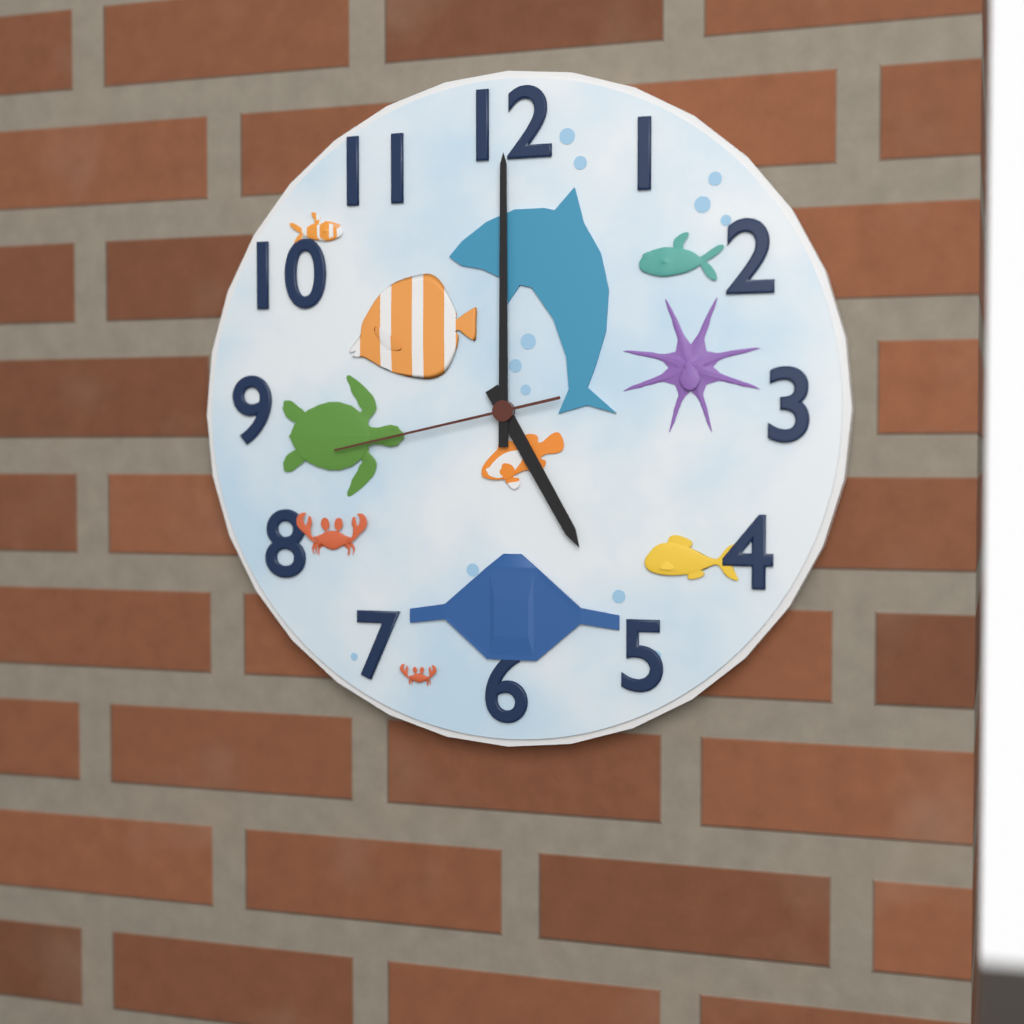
**5:00:43**
